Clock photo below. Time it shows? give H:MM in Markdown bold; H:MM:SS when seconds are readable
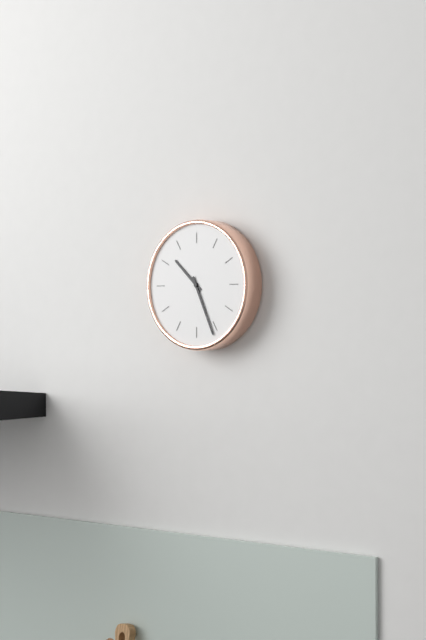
**10:26**
